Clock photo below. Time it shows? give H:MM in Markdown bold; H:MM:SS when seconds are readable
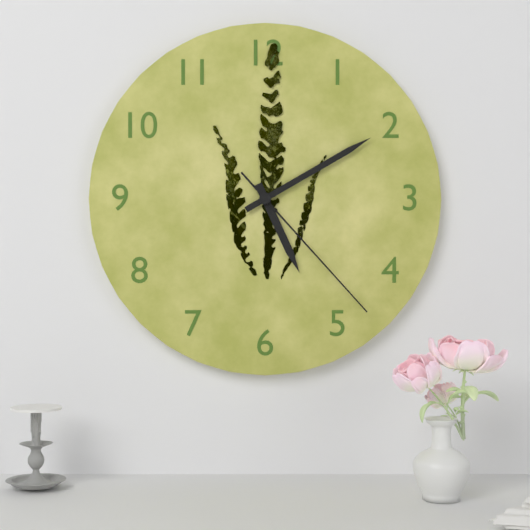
**5:10:23**
